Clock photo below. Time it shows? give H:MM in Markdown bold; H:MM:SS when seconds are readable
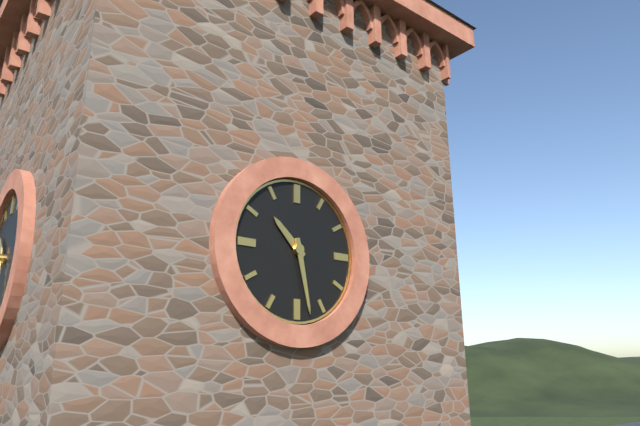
**10:28**
